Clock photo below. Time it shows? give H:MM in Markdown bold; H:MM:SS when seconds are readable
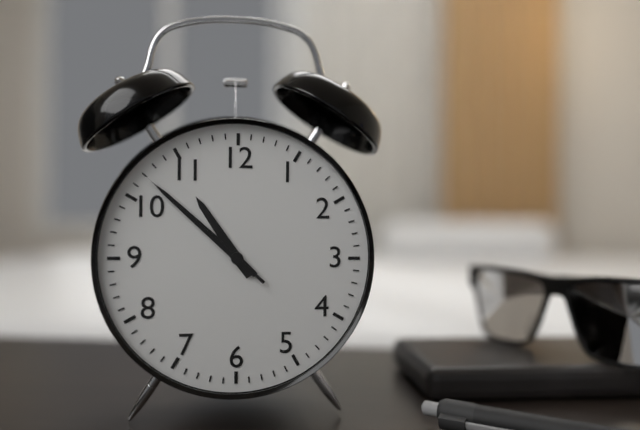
**10:52:52**
